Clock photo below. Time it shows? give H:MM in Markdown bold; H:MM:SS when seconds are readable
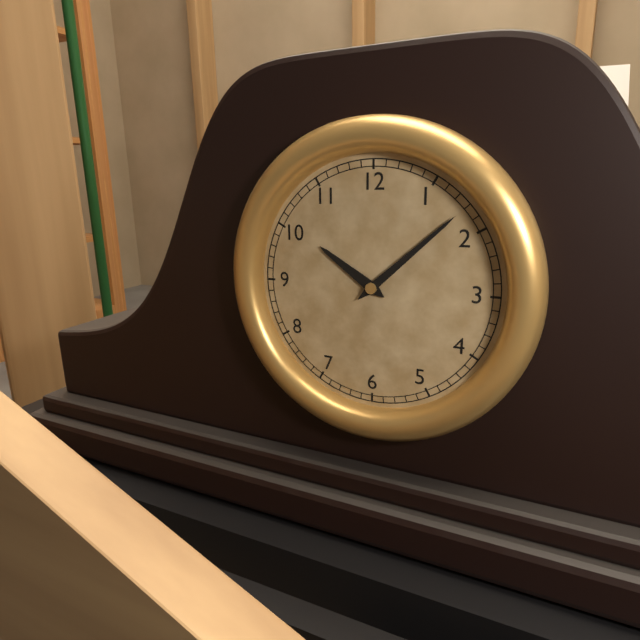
**10:08**
